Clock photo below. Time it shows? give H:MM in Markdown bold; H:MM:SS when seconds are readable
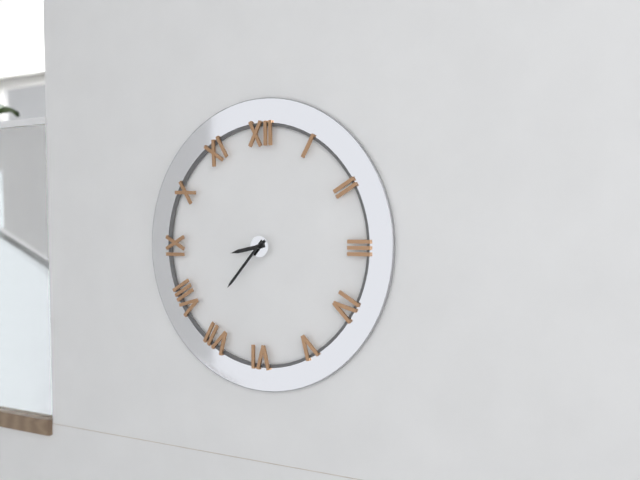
**8:37**
